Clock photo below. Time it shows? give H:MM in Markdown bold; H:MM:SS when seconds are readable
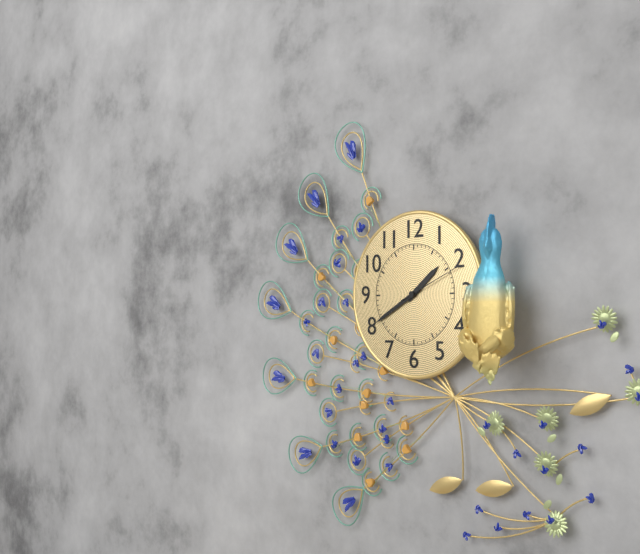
**1:40:11**
